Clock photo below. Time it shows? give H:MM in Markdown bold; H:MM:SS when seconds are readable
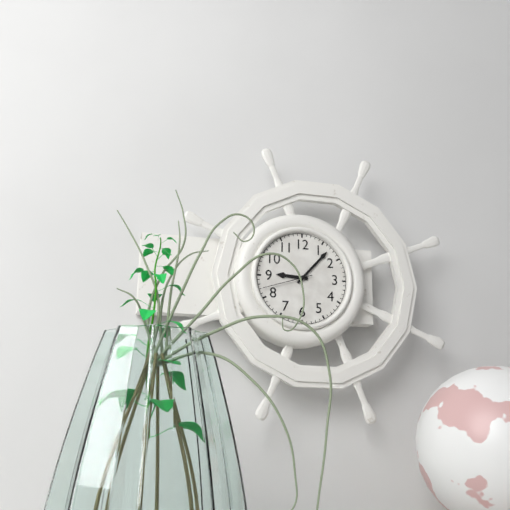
**9:07:42**
